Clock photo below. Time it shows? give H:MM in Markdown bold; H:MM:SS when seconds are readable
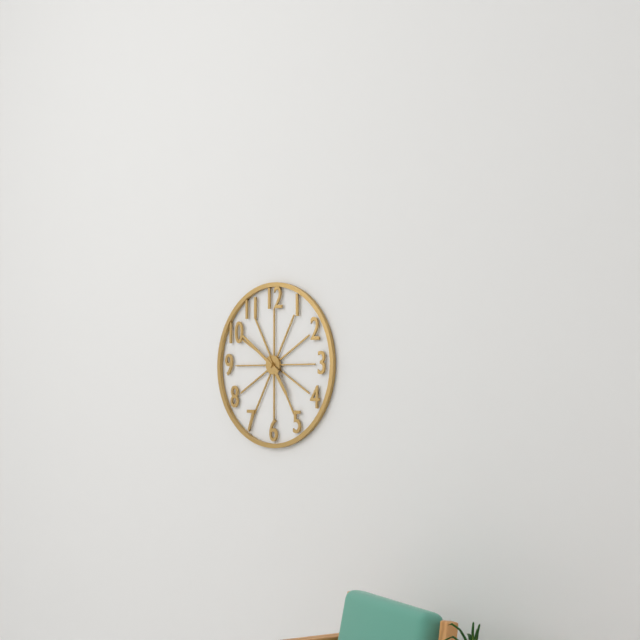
**4:51**
